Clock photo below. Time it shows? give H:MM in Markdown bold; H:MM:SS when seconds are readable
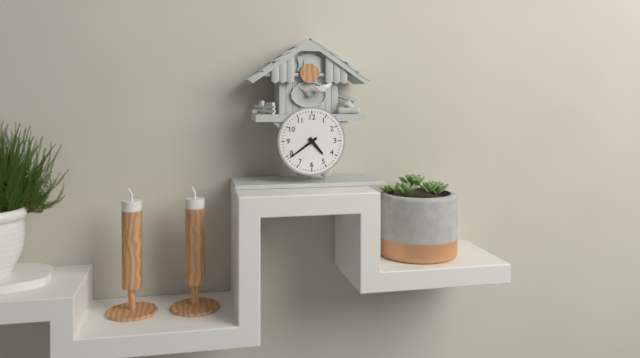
**4:39**
